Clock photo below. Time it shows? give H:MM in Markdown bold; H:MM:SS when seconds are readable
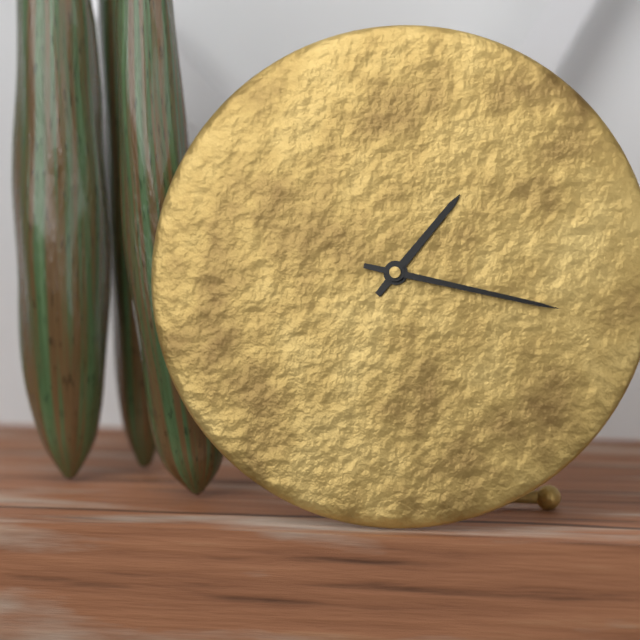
**1:17**
